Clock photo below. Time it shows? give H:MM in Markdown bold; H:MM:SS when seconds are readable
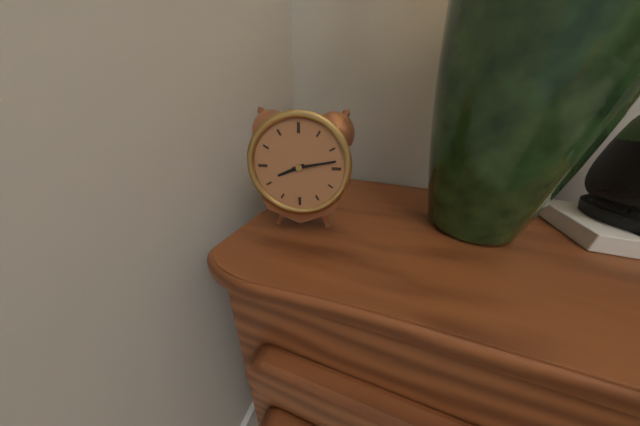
**8:13**
